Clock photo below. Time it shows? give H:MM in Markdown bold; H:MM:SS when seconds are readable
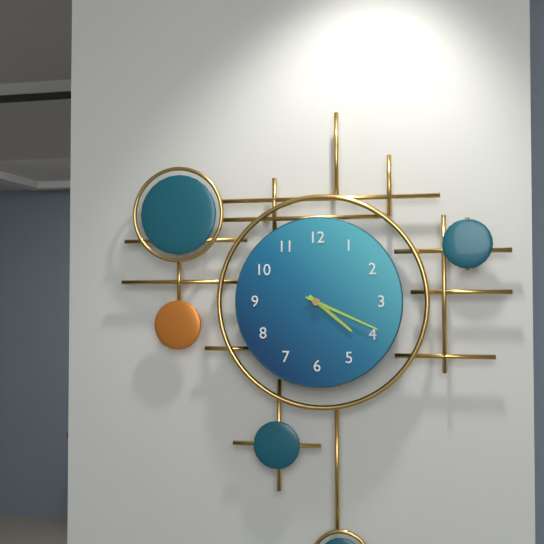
**4:19**
